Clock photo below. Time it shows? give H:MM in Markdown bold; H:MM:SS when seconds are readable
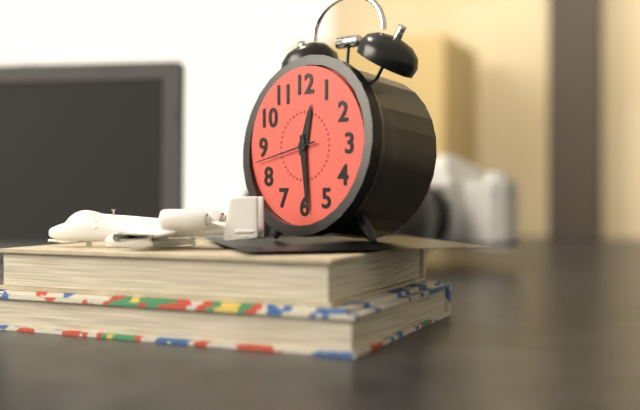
**12:29:43**
